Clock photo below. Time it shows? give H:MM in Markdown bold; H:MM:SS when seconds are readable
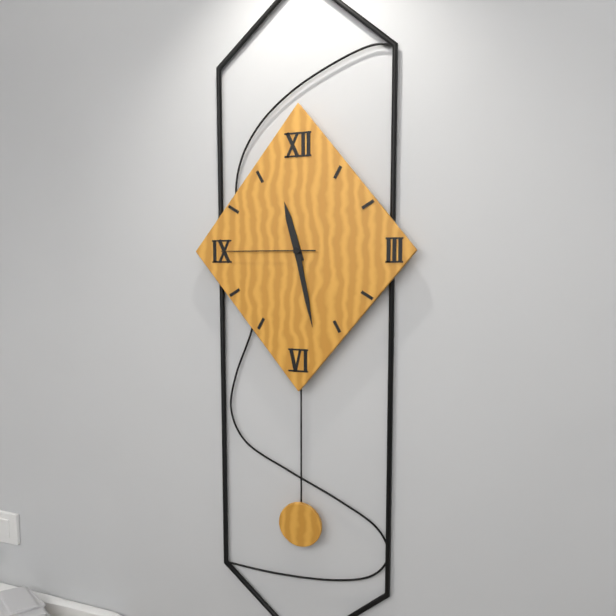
**11:28:45**
